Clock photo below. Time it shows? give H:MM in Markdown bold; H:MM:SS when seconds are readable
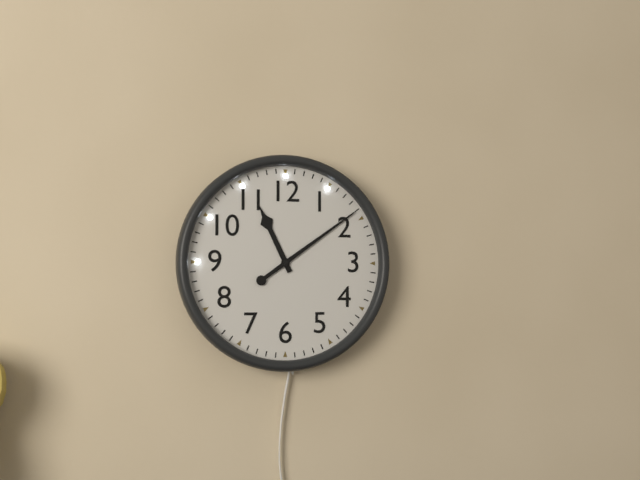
**11:09**
